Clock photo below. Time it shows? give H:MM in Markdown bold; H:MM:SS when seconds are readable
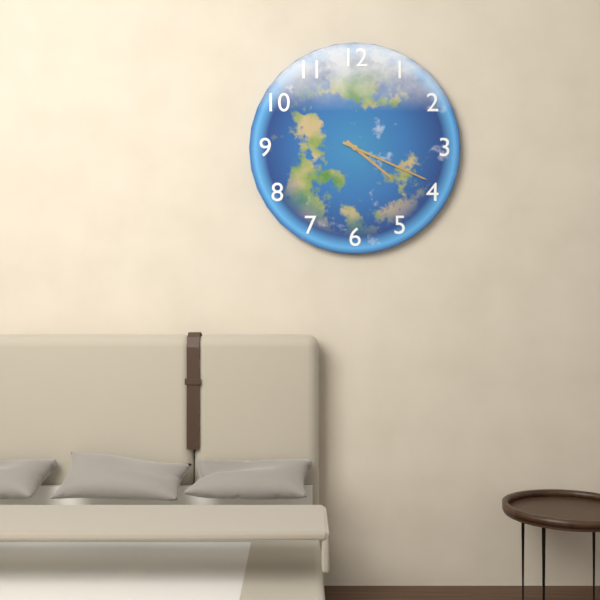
**4:19**
